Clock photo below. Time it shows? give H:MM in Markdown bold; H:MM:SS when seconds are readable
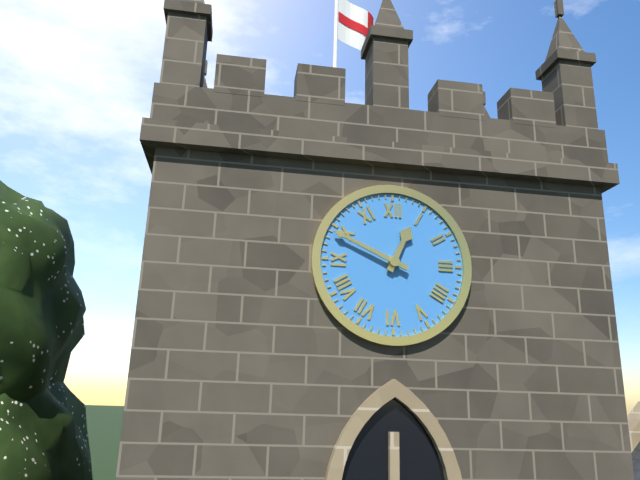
**12:49**
